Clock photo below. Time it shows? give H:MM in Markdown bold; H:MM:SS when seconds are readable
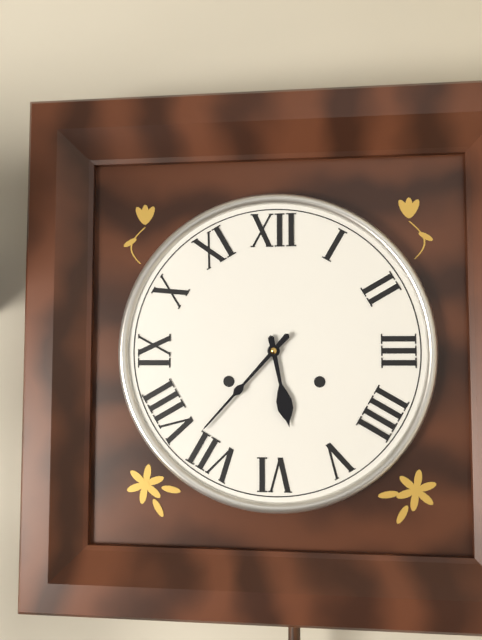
**5:37**
